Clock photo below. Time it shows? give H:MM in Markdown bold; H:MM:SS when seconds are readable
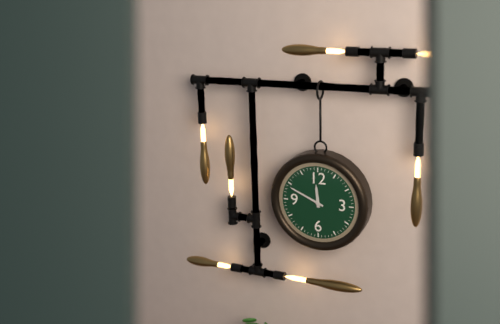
**11:49**
